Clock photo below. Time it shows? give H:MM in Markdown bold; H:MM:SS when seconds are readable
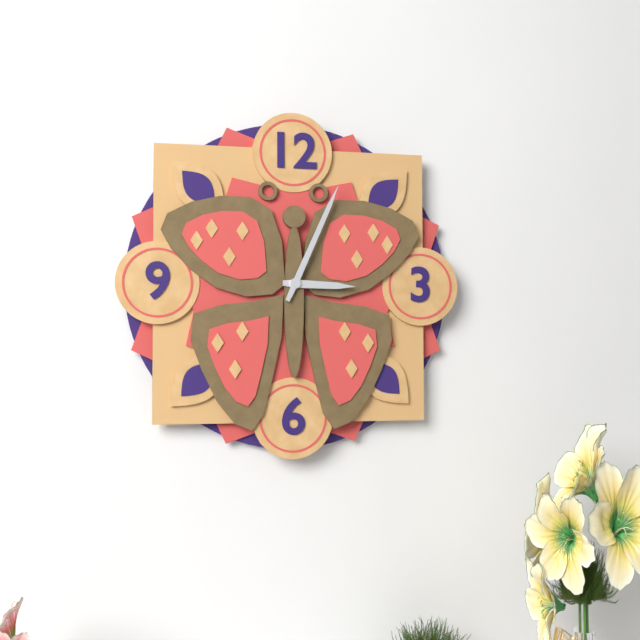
**3:04**
